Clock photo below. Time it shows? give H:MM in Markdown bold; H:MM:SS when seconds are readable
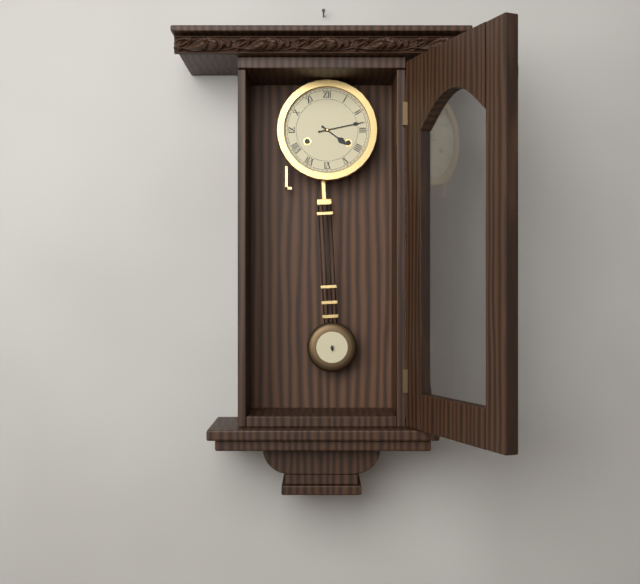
**4:13**
